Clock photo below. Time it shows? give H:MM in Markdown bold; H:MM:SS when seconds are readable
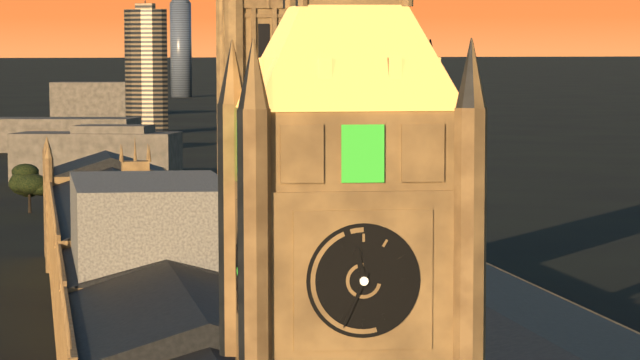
**11:34**
